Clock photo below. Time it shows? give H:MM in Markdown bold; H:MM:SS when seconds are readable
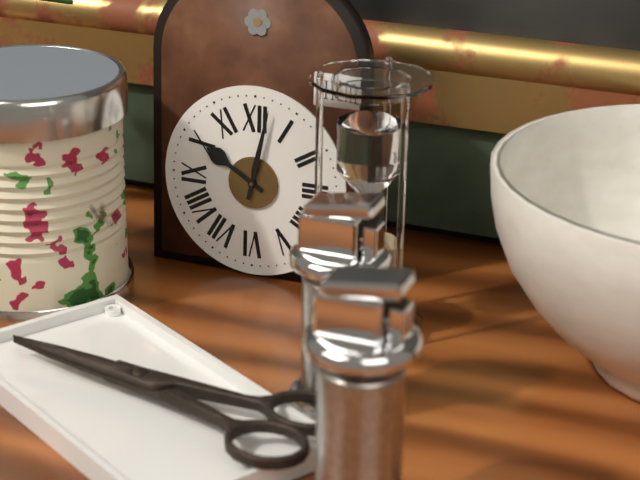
**10:02**
